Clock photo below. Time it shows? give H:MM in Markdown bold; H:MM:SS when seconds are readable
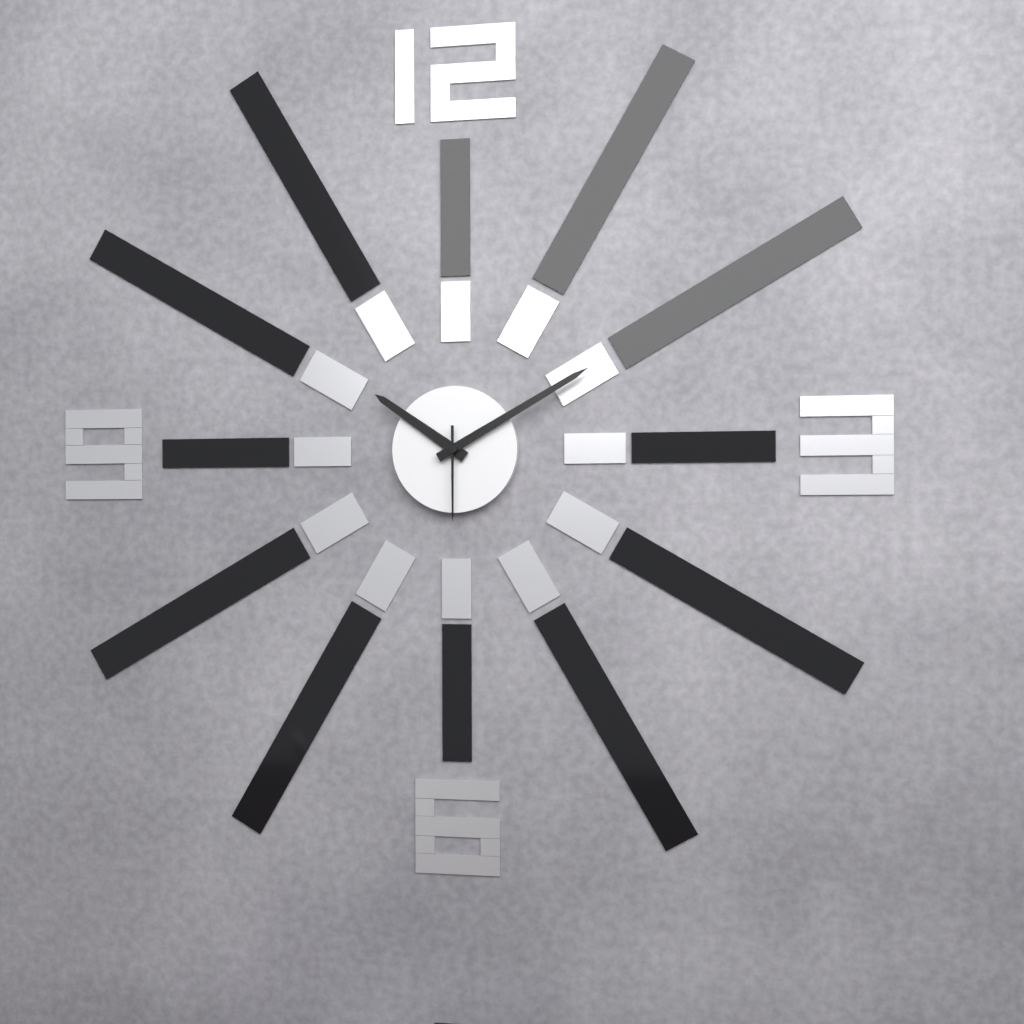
**10:10:30**
